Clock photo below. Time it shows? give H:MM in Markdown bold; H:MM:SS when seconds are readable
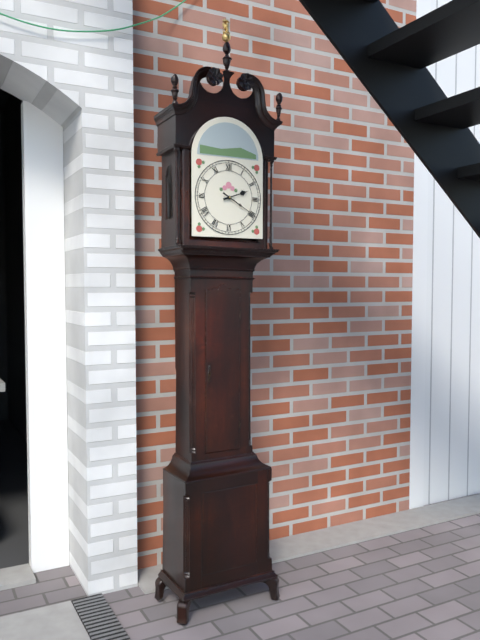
**2:20**
